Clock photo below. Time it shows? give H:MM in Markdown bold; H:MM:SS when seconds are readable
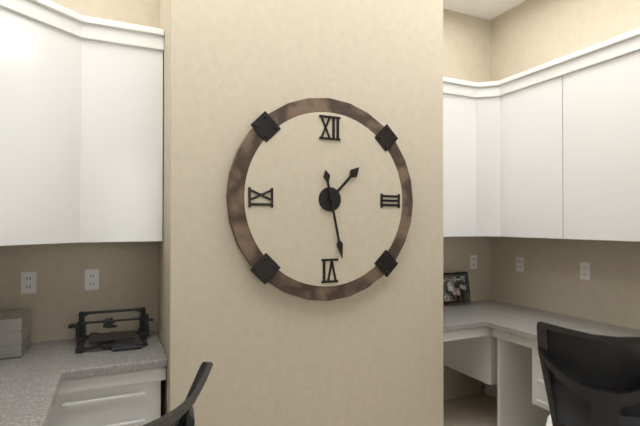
**1:28**
